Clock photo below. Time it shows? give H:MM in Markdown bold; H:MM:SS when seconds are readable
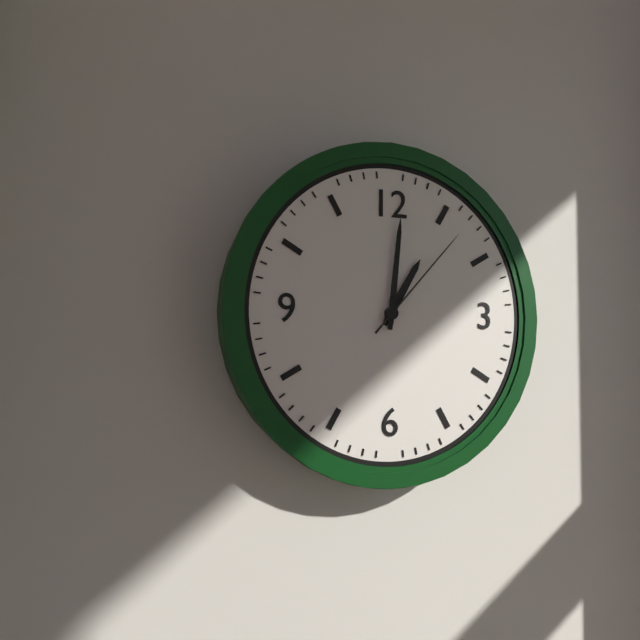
**1:01:07**
